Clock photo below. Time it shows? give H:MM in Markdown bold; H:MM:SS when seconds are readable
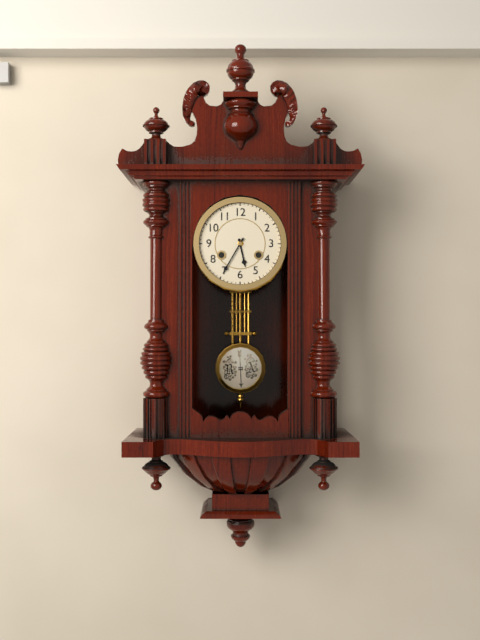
**5:35**
